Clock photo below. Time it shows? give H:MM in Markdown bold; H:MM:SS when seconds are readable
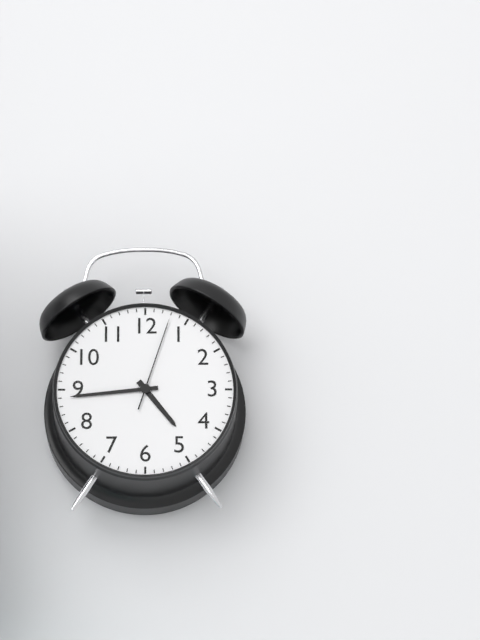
**4:44:03**
